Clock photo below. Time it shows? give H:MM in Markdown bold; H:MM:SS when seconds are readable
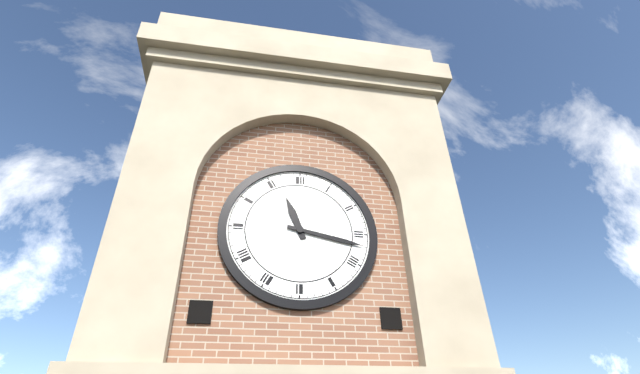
**11:17**
